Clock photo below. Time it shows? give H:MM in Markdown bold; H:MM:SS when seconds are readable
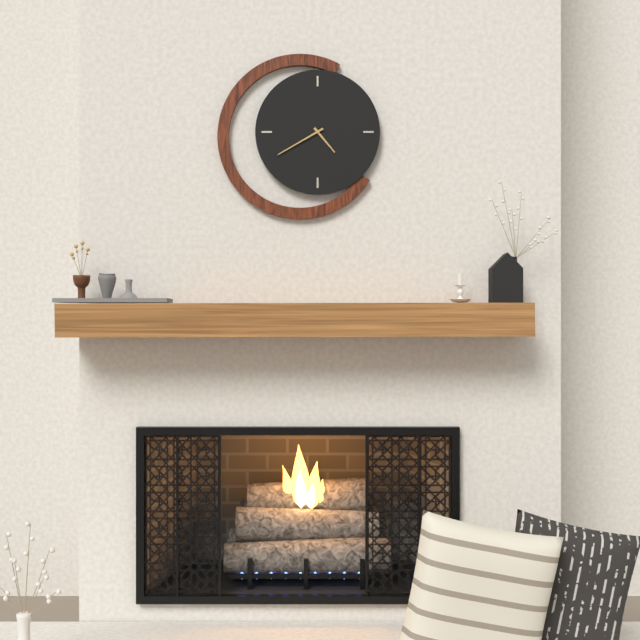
**4:40**
